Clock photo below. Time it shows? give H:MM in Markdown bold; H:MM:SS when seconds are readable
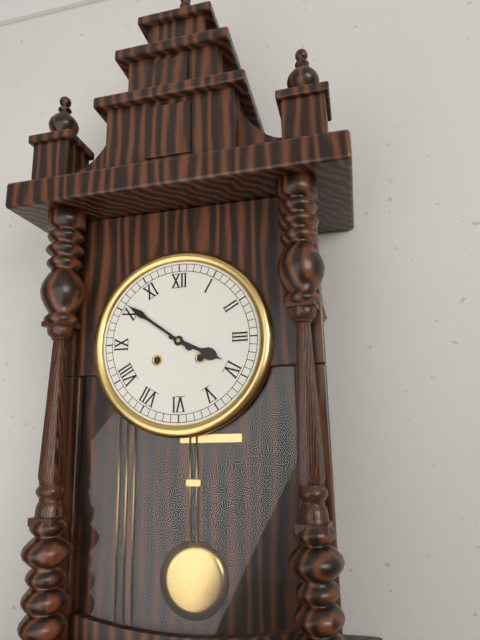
**3:51**
